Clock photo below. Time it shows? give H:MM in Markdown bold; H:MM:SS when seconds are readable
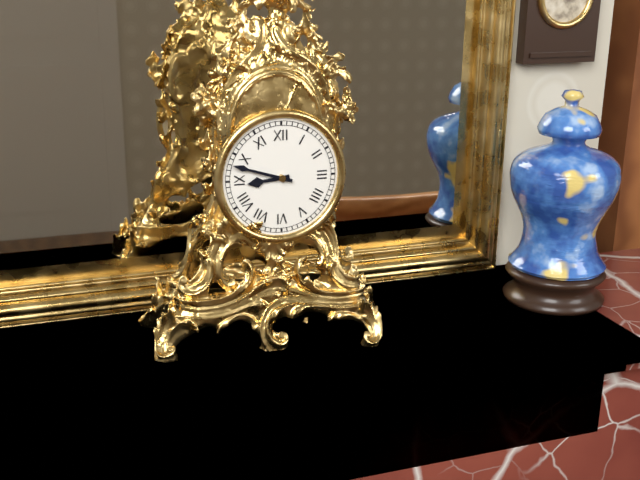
**8:48**
